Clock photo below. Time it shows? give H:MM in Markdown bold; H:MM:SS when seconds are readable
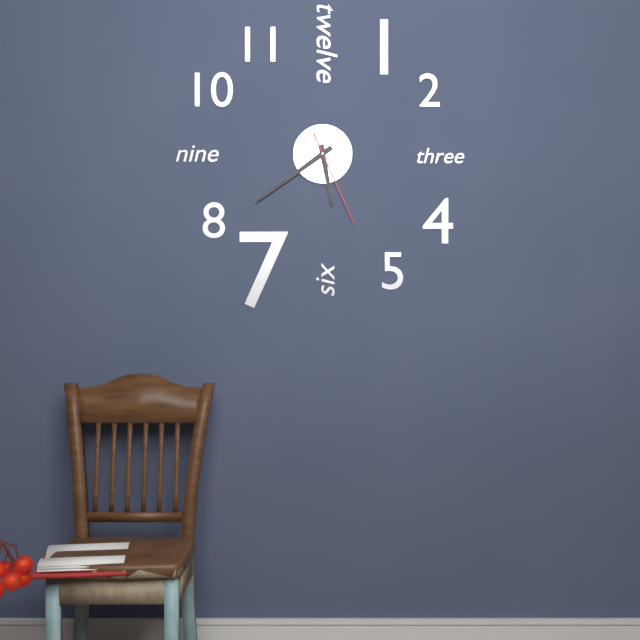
**5:39:26**
